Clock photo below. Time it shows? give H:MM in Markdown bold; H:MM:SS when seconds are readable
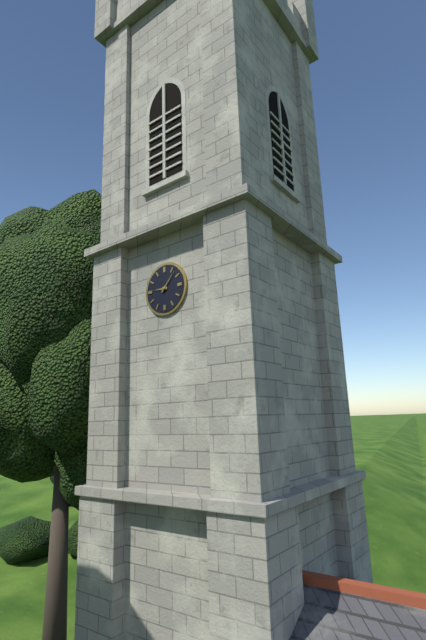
**9:07**
